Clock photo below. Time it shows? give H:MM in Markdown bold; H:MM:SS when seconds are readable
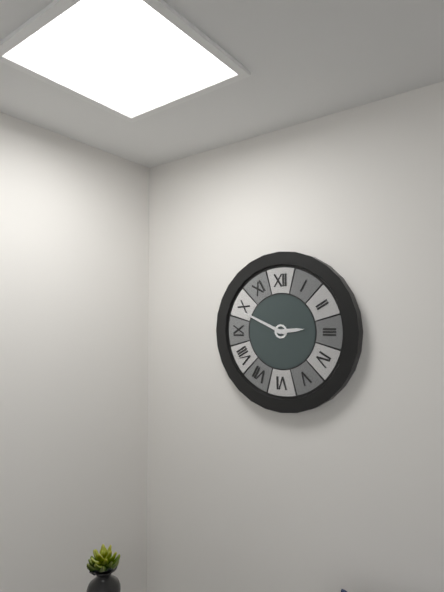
**2:49**
